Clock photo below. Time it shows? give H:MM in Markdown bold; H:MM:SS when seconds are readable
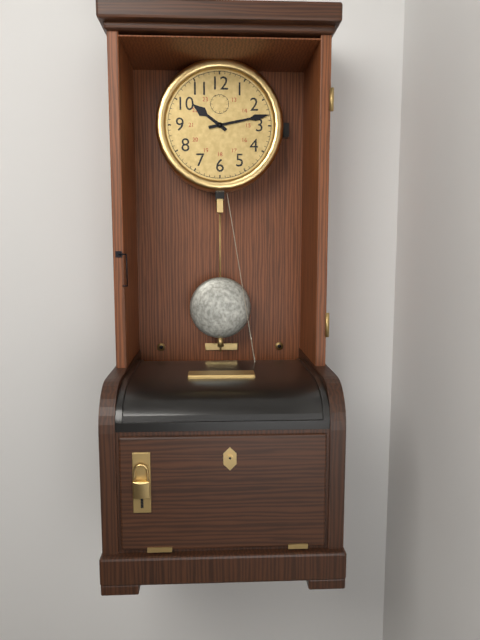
**10:13**
